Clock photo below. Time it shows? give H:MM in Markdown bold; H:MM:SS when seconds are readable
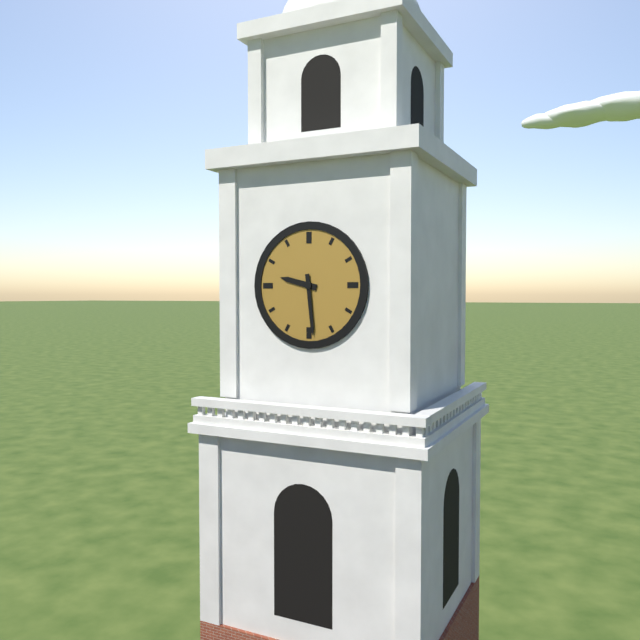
**9:29**
